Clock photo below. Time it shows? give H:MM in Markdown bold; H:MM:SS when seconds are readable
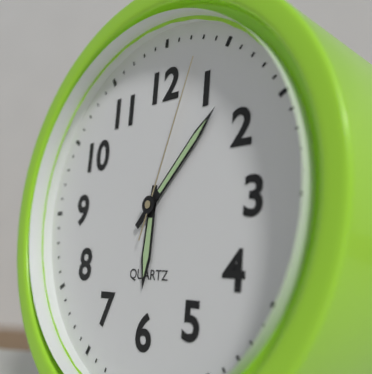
**6:07:03**
